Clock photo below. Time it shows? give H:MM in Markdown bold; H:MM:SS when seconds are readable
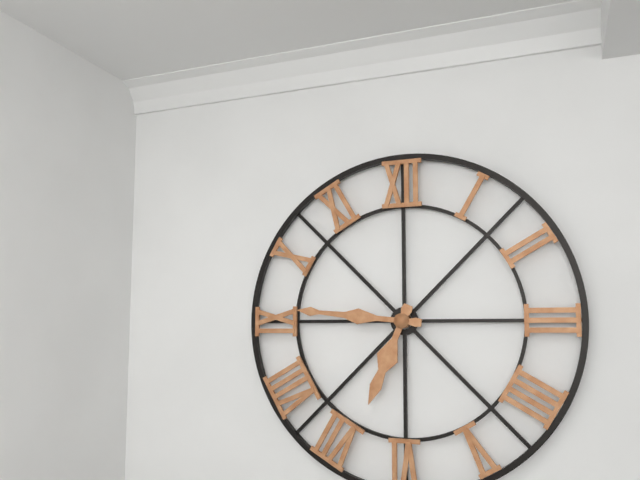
**6:46**
